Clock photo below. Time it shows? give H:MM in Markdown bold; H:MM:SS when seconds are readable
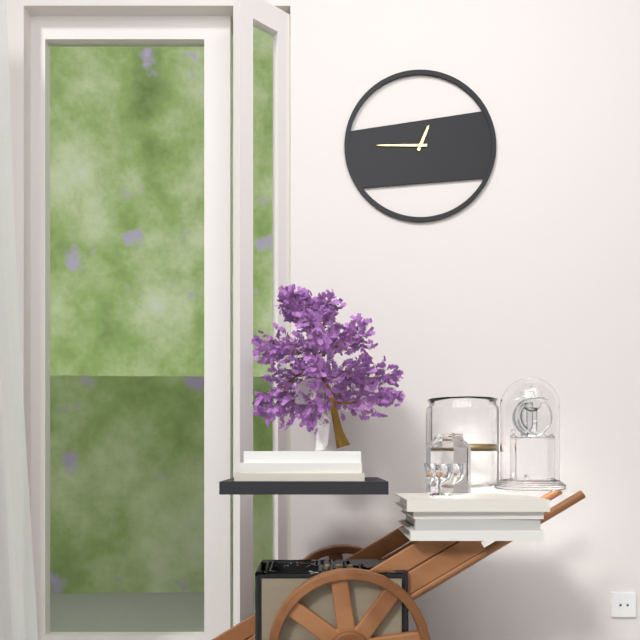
**12:45**
